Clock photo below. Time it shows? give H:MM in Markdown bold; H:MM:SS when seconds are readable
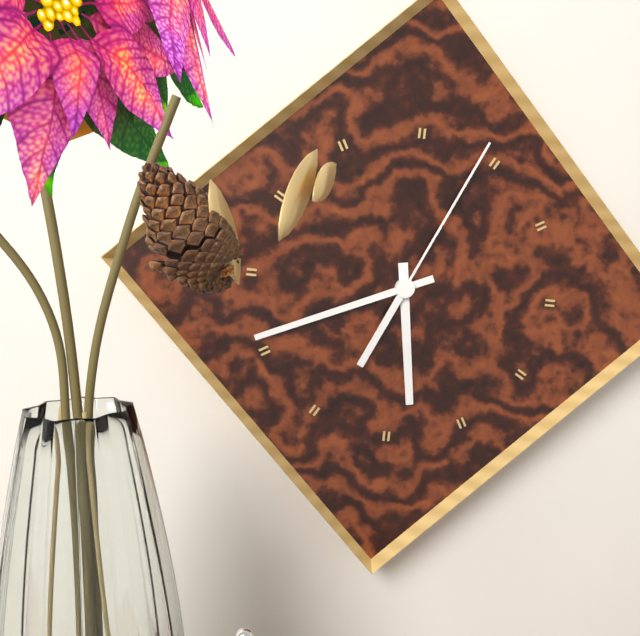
**5:41:04**
